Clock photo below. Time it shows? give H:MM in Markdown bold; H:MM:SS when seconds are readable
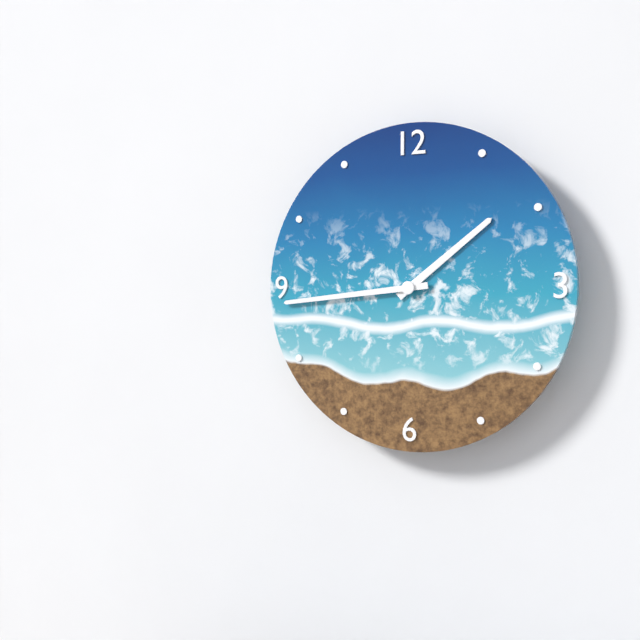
**1:44**
